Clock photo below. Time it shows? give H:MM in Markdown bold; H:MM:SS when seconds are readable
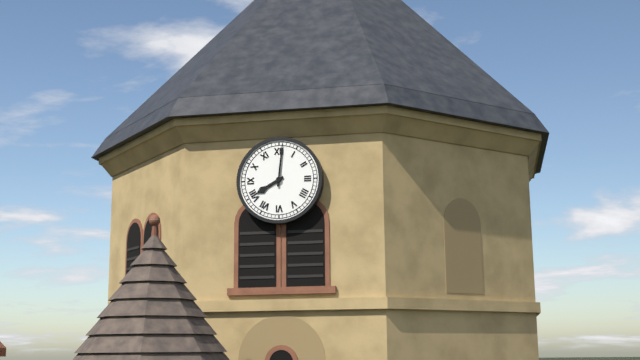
**8:01**
